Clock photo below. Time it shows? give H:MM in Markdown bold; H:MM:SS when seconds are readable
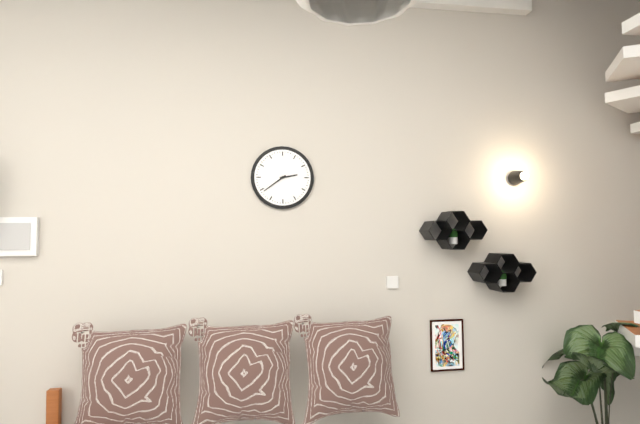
**2:39**
